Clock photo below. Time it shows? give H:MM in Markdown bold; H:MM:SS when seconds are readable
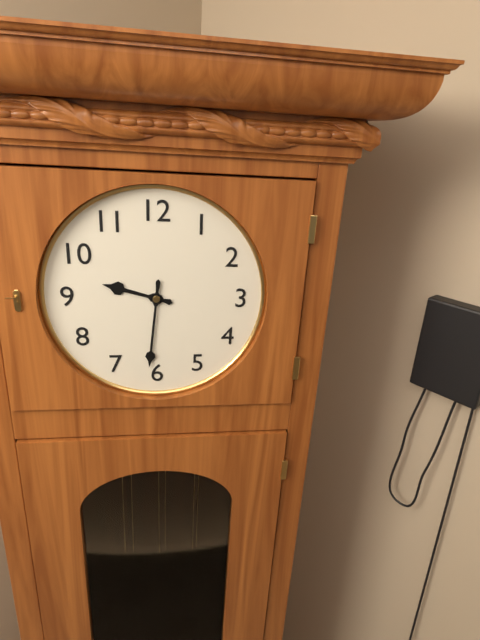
**9:31**
